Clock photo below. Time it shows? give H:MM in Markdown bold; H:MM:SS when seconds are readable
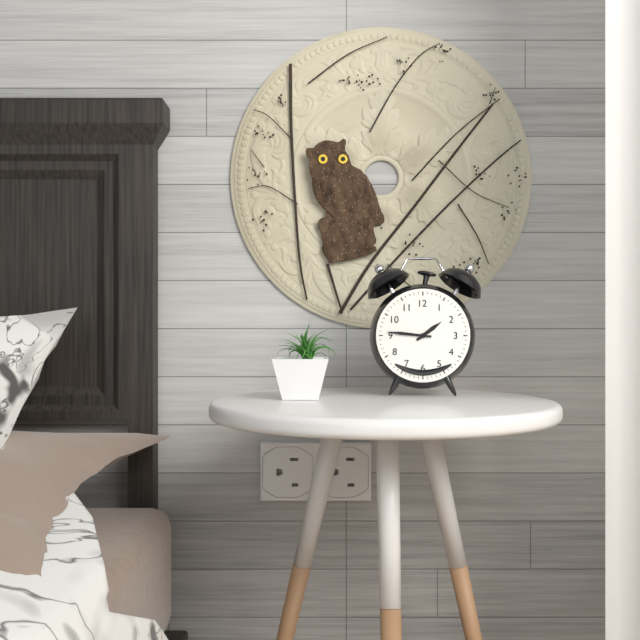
**1:46**
